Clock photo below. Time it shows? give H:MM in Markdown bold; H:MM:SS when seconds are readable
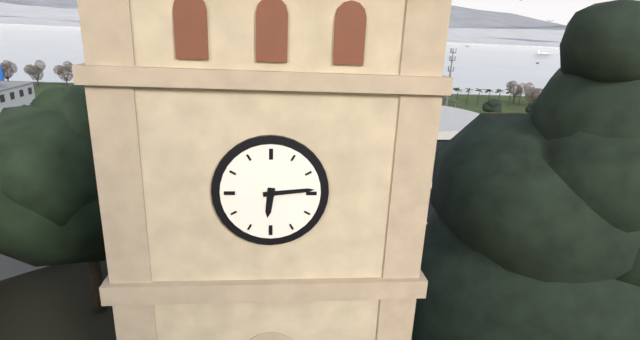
**6:14**
